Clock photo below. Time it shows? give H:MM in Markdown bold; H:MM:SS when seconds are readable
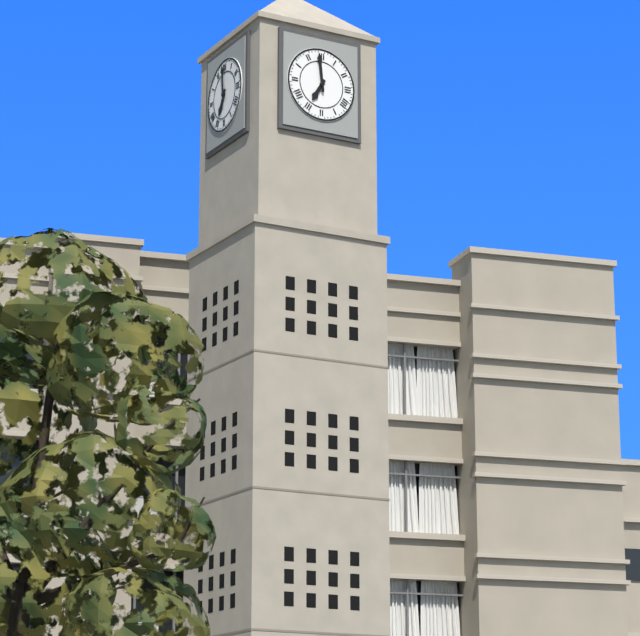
**6:59**
